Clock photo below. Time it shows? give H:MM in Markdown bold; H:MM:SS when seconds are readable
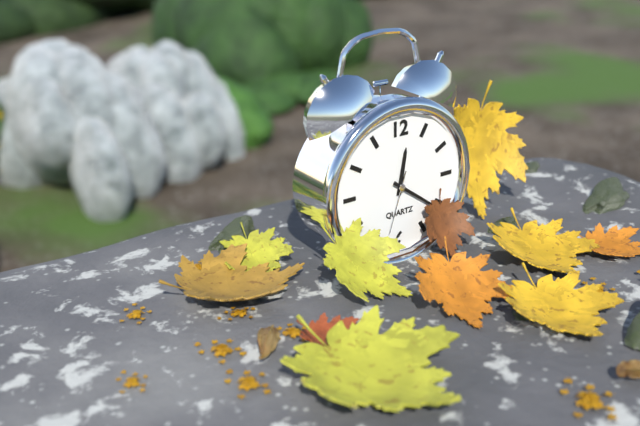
**12:21:33**
